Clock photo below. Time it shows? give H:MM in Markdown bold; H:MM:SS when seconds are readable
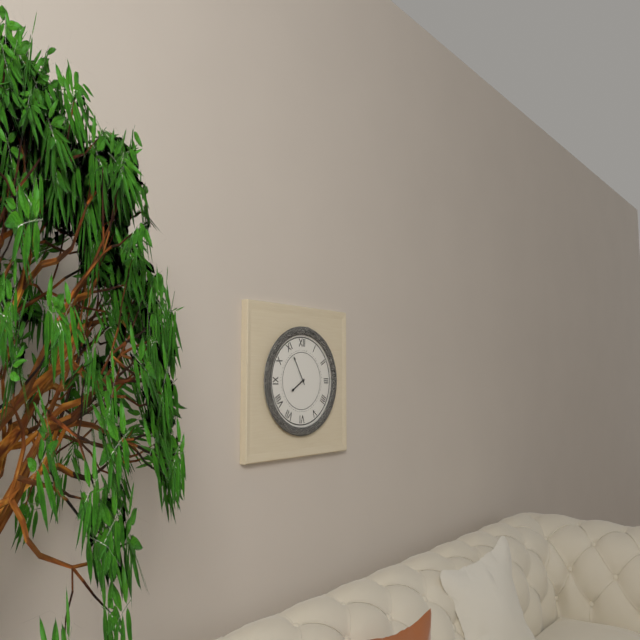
**7:55**
